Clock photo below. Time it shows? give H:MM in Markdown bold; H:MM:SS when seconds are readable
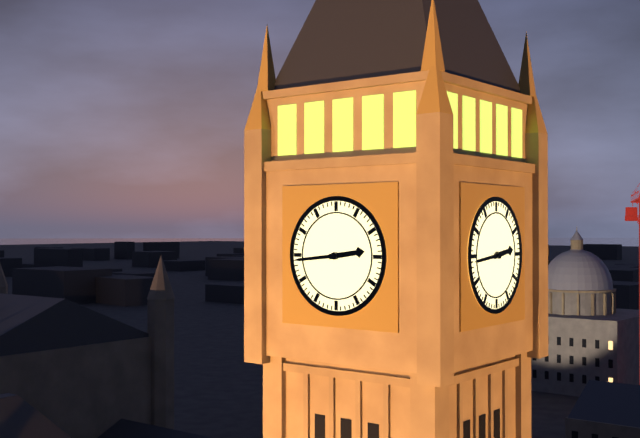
**2:44**
